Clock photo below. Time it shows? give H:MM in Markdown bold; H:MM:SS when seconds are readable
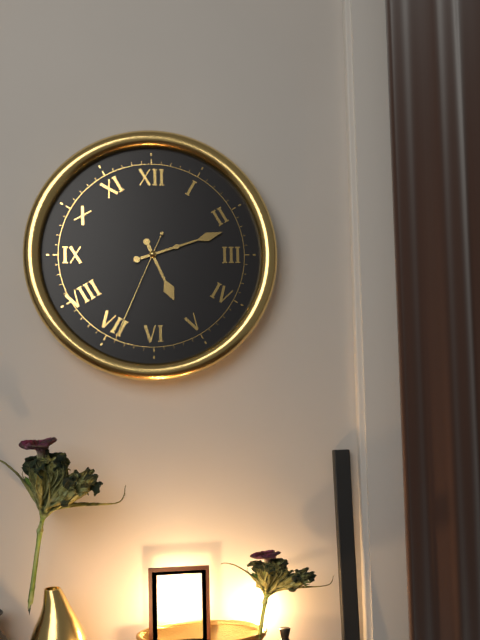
**5:12:34**
